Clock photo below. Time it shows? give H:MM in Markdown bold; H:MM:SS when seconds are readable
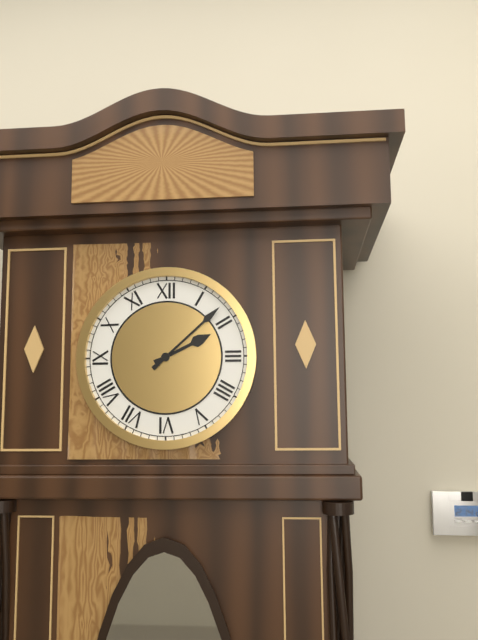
**2:08**
